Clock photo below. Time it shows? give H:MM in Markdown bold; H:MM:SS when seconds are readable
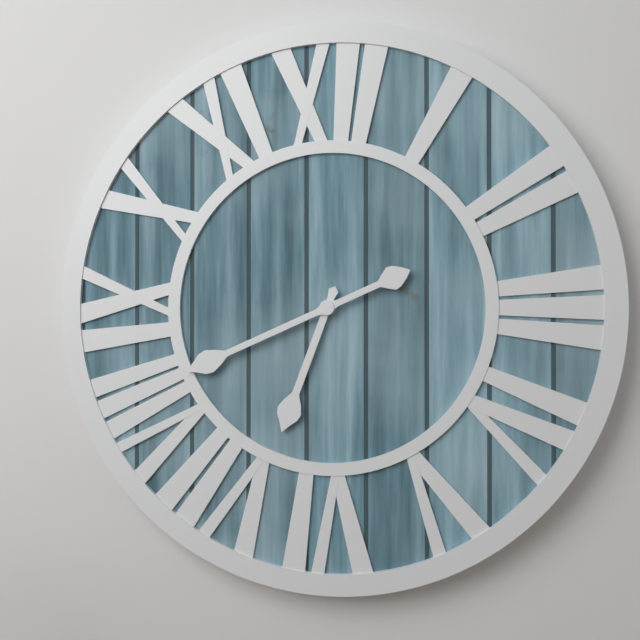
**6:41**
